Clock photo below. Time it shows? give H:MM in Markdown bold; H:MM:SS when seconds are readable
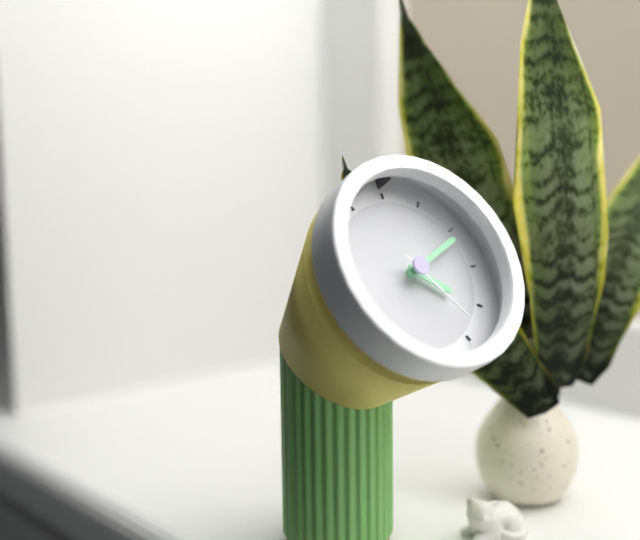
**4:11:24**
